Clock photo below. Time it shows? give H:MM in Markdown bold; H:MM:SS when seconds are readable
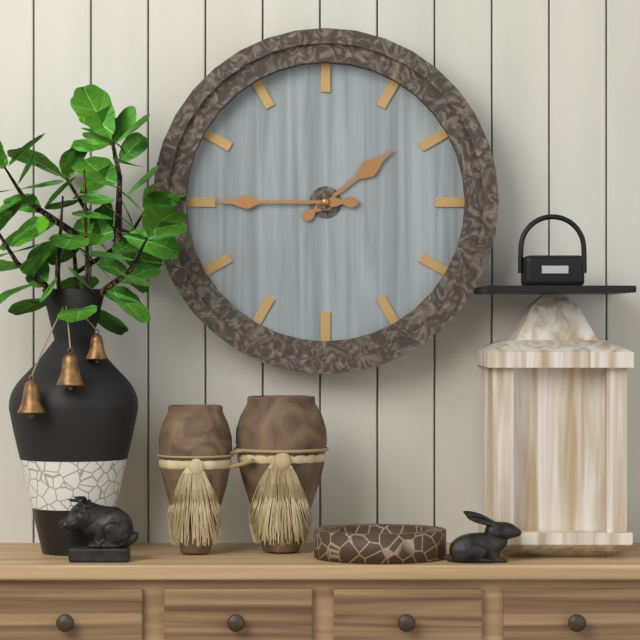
**1:45**
